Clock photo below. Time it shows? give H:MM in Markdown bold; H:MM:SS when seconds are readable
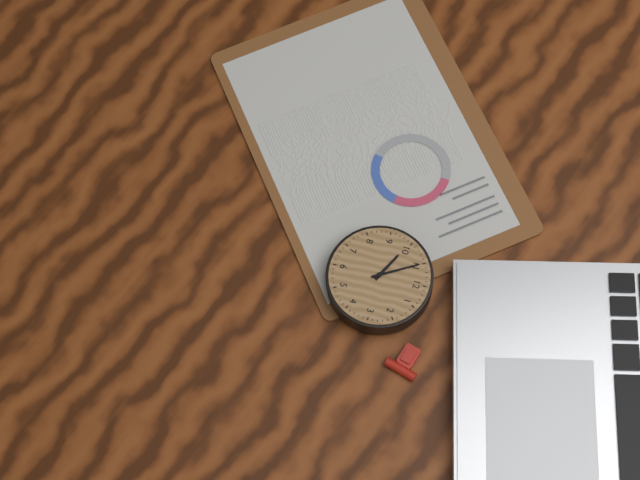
**9:55**
